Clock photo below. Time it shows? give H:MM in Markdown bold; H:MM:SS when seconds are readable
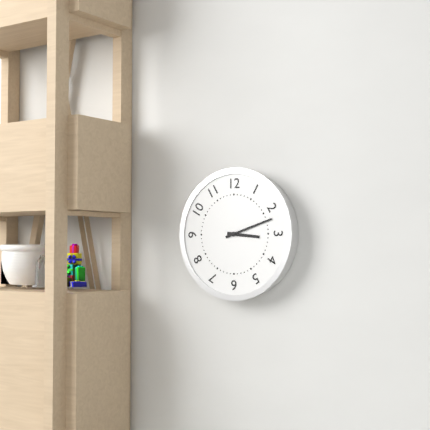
**3:12**
